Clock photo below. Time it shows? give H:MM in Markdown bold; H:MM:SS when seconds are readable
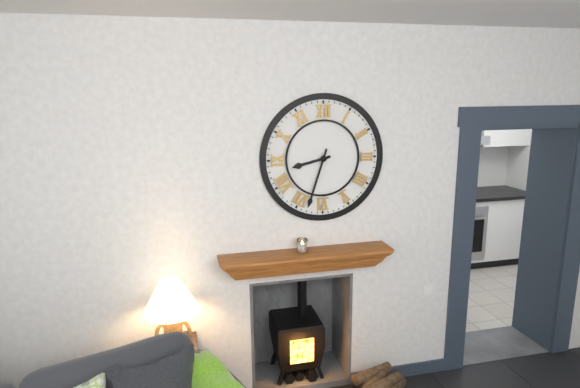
**8:33**
